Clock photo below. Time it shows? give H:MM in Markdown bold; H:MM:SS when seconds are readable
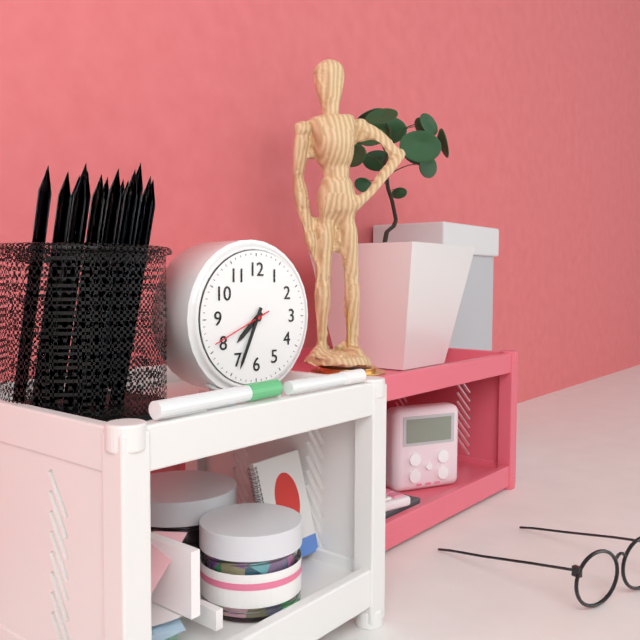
**7:34:41**
